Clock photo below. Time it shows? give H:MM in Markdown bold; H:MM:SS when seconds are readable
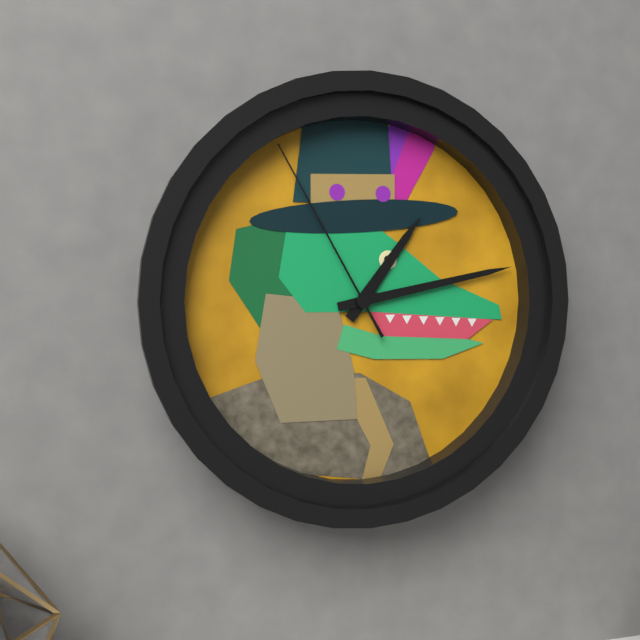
**1:13:55**
